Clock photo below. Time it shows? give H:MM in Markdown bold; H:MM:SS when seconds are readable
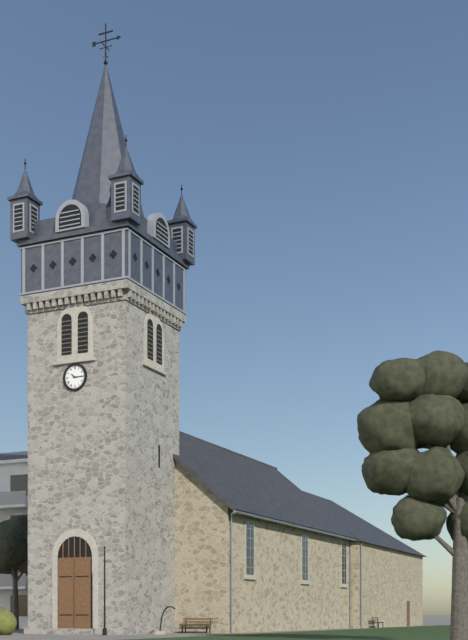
**10:15**
